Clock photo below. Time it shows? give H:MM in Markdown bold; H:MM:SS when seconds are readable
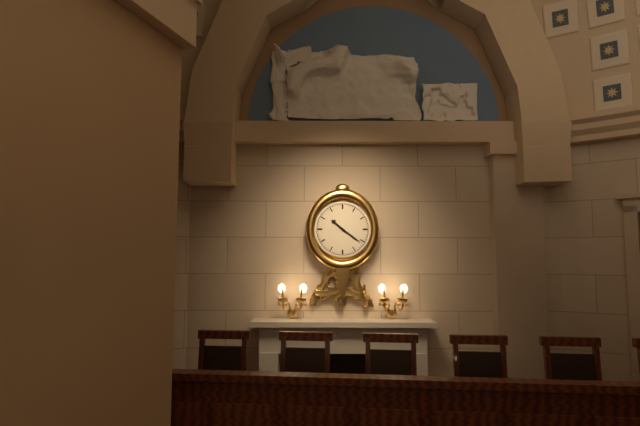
**10:21**
